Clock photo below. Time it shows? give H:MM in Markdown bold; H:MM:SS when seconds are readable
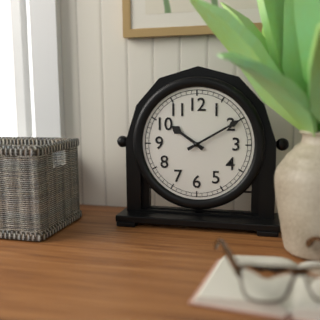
**10:10**
